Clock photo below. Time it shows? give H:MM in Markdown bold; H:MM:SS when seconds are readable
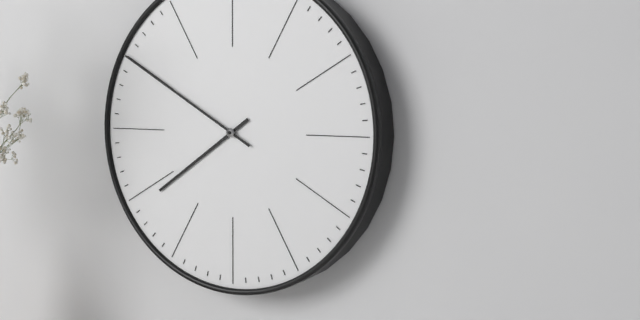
**7:50**
